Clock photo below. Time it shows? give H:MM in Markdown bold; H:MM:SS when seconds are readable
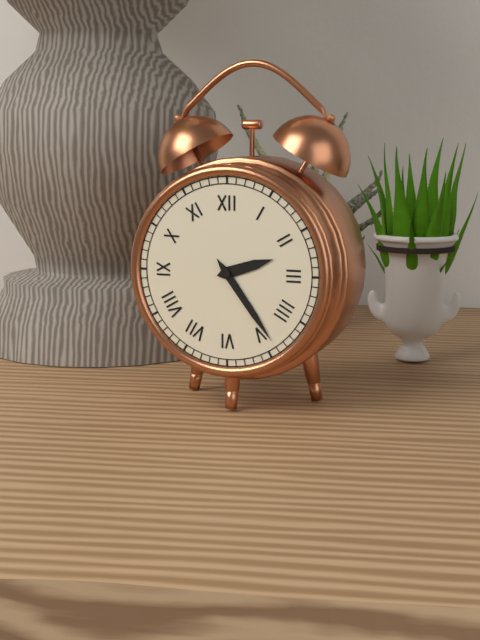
**2:24**
